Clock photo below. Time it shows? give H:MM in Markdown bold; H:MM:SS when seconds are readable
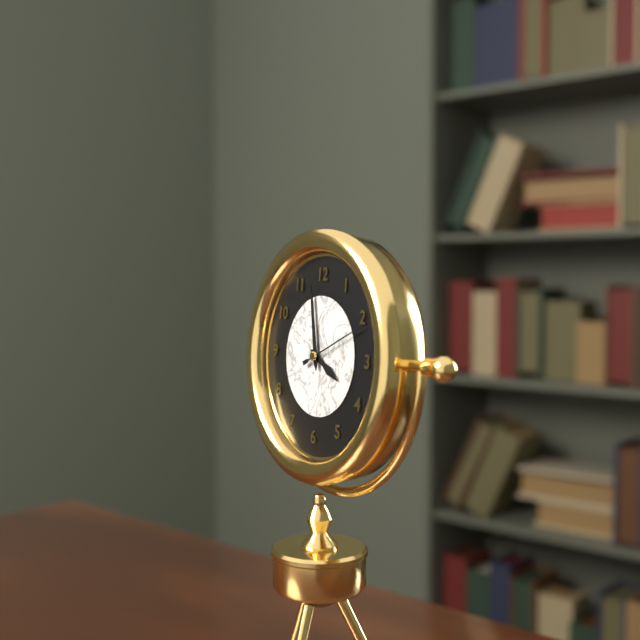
**3:58:11**
